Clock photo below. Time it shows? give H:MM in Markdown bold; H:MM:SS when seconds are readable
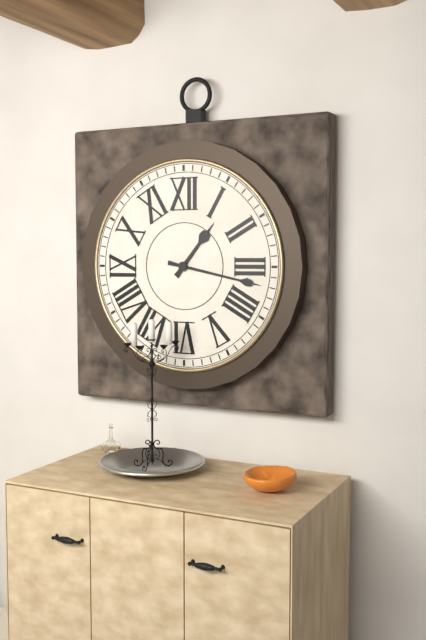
**1:17**
